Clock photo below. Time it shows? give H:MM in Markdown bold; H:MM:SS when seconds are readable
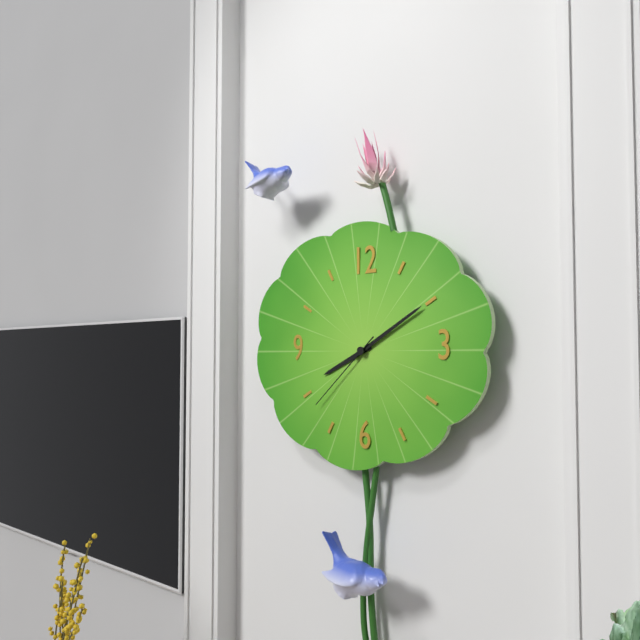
**8:10:38**
